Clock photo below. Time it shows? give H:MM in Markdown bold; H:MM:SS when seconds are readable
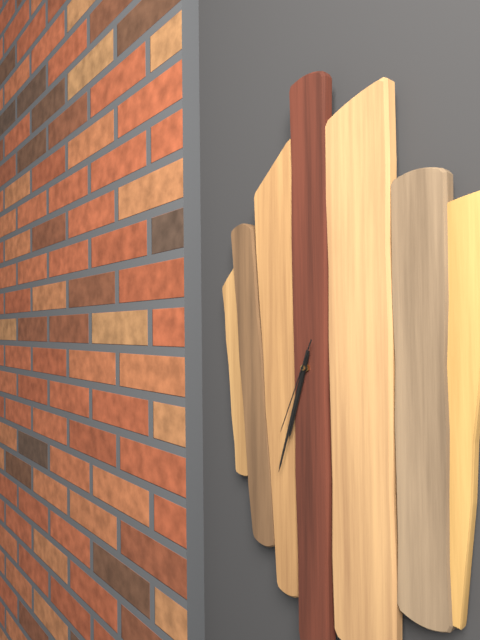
**6:33:34**
